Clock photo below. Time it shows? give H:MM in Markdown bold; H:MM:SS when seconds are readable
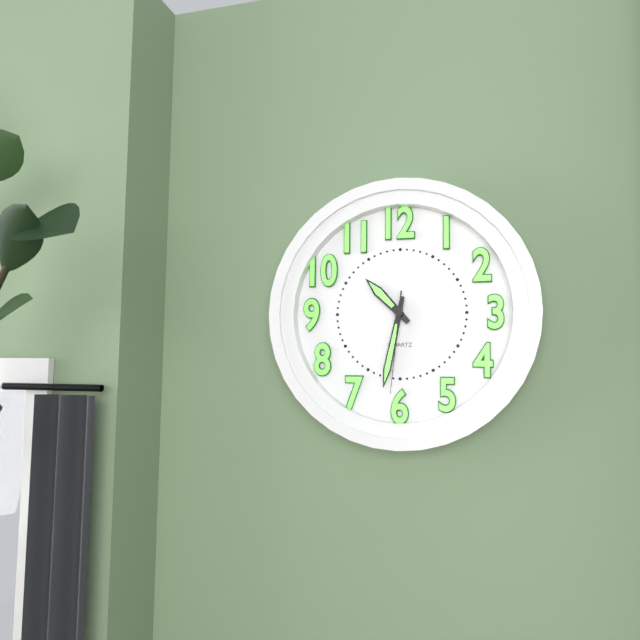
**10:32:31**
